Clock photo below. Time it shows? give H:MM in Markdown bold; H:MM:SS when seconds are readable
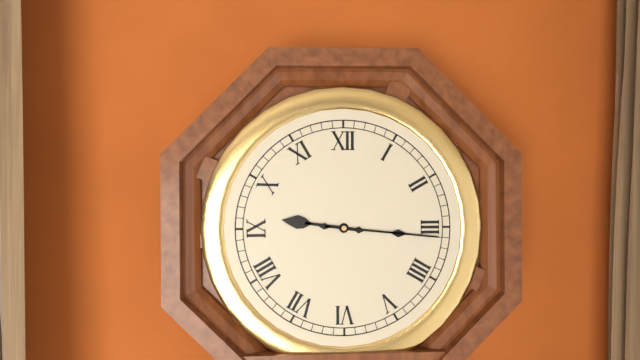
**9:16**
